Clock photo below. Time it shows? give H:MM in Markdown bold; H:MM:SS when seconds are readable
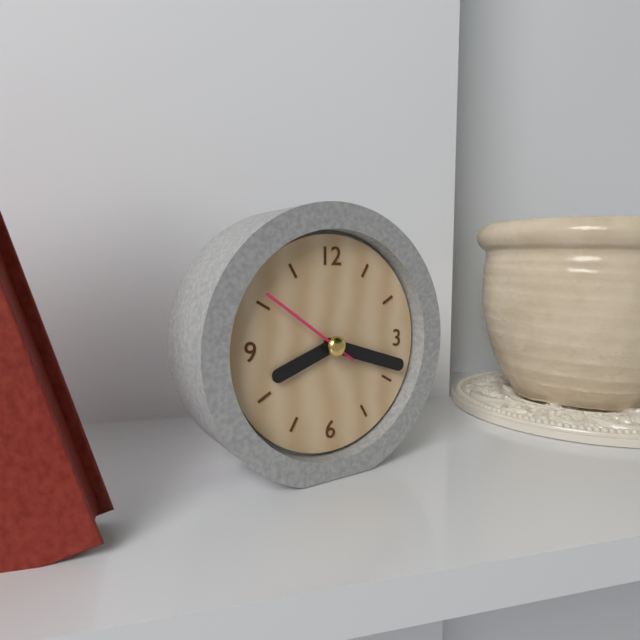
**8:18:51**
